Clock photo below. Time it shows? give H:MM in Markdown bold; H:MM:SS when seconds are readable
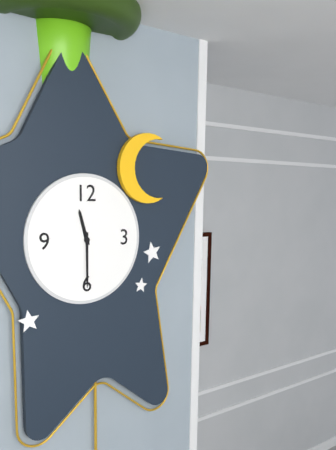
**11:30**
